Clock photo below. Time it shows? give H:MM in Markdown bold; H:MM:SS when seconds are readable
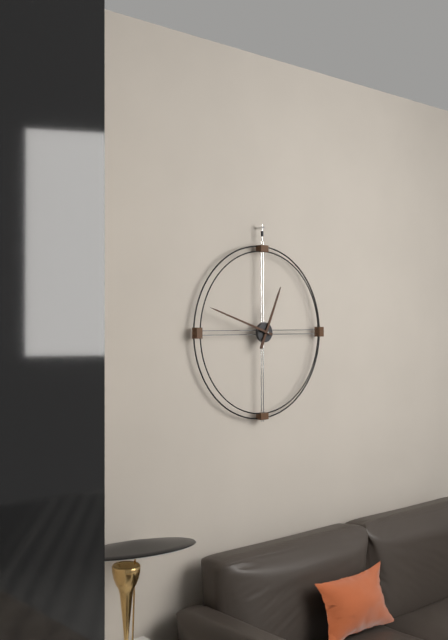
**12:48**
